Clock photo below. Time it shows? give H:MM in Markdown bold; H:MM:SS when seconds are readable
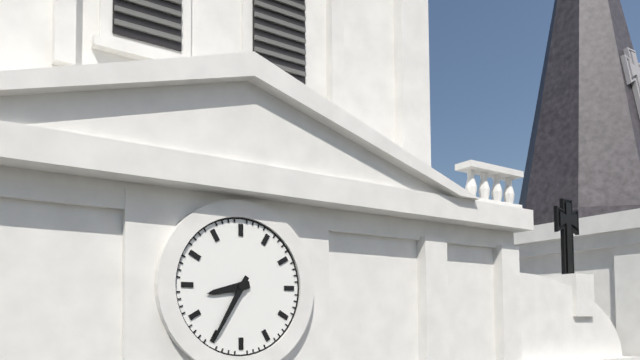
**8:35**
